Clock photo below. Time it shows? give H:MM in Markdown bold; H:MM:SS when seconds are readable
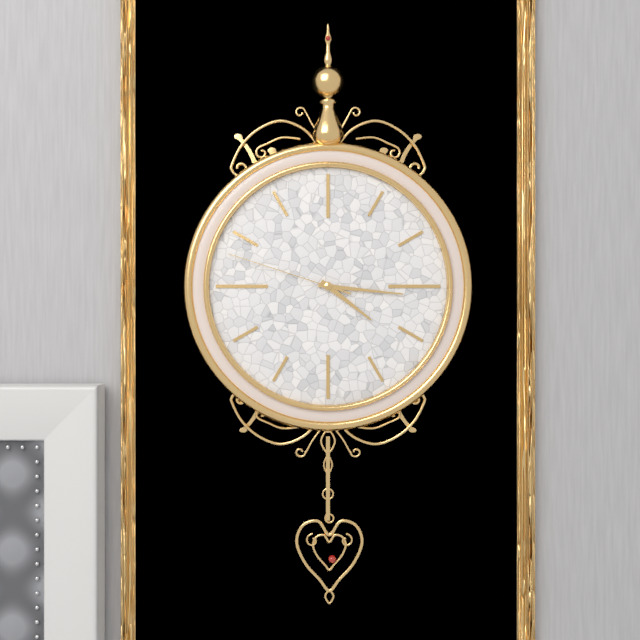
**4:16:48**
